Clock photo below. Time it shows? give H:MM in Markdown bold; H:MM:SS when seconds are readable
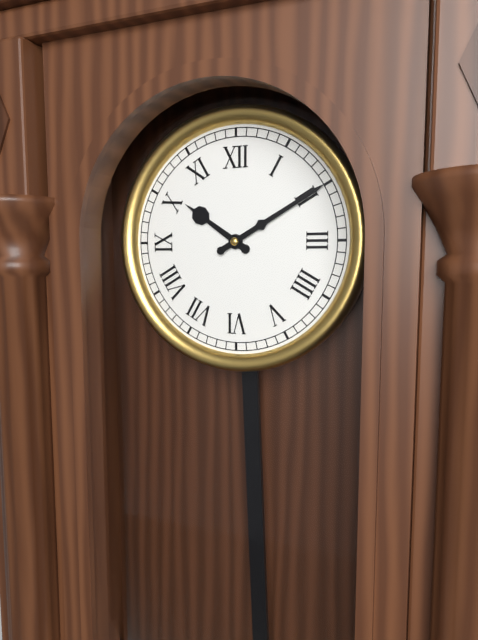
**10:10**
